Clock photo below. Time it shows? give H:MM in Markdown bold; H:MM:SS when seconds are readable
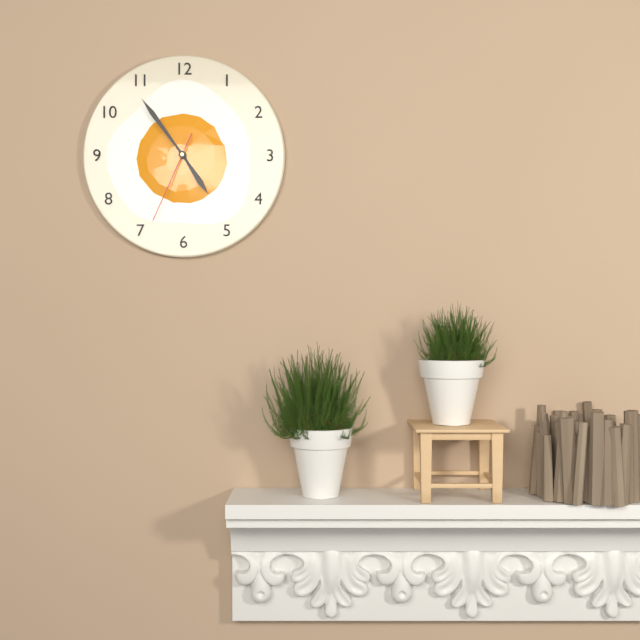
**4:54:34**
